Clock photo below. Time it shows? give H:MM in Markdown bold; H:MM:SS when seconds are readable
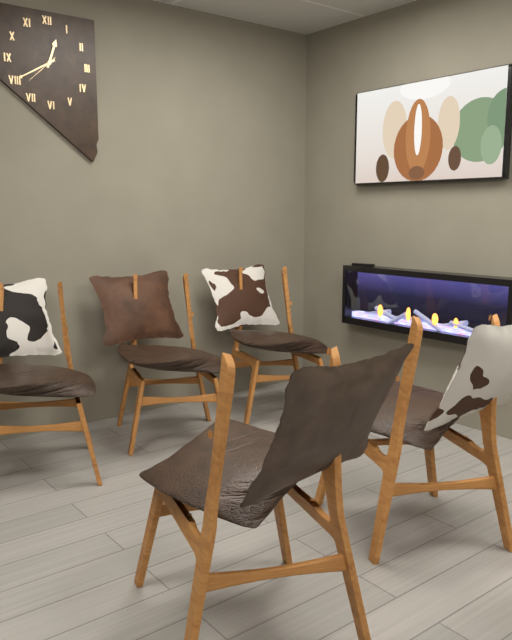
**12:40**
